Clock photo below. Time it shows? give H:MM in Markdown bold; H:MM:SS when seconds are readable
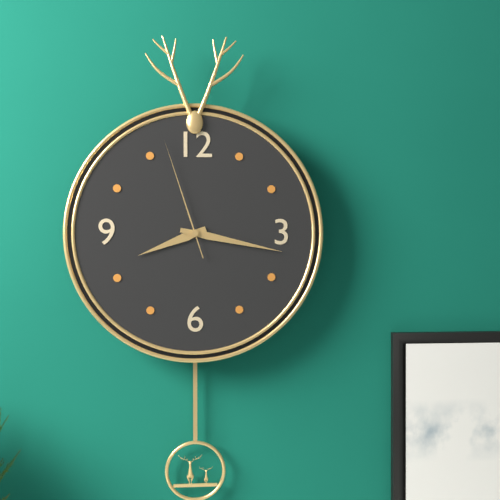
**8:17:57**
